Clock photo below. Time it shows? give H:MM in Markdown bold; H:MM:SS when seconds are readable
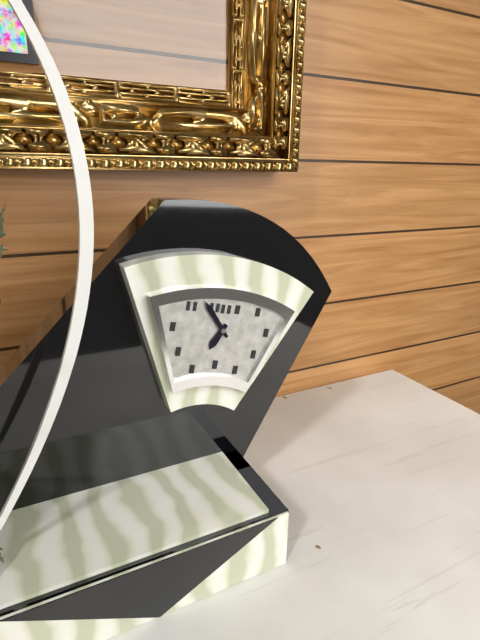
**6:53**
